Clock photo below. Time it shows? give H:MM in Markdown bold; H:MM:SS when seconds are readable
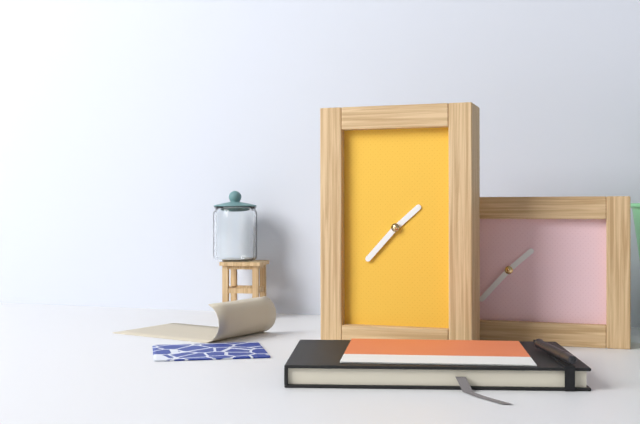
**1:37**
